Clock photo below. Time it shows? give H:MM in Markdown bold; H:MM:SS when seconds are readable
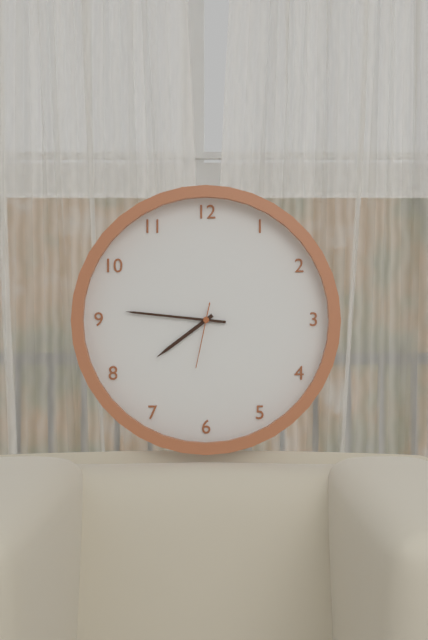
**7:46:32**
